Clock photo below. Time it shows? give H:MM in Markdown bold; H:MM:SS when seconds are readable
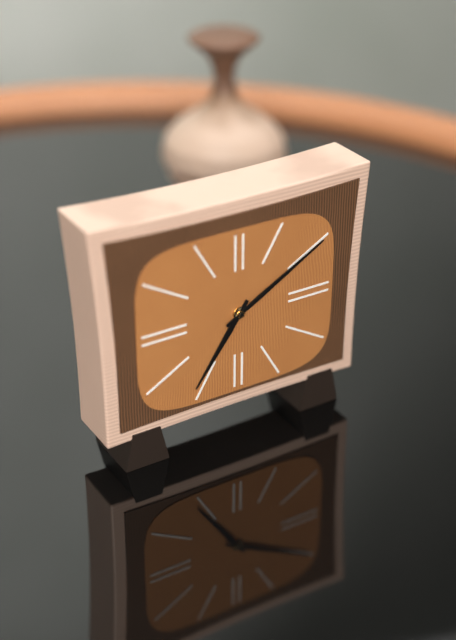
**7:10**
